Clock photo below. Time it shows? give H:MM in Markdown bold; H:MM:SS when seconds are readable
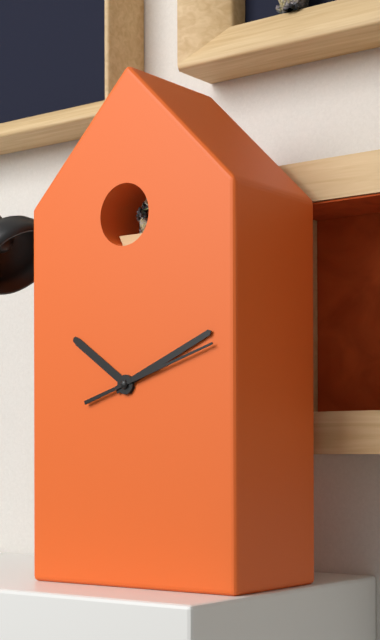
**10:11:12**
